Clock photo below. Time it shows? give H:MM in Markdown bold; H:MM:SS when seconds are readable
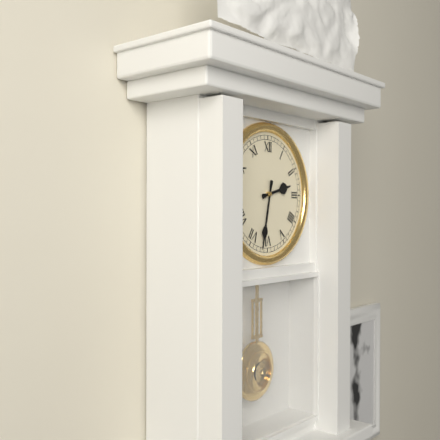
**2:32**
